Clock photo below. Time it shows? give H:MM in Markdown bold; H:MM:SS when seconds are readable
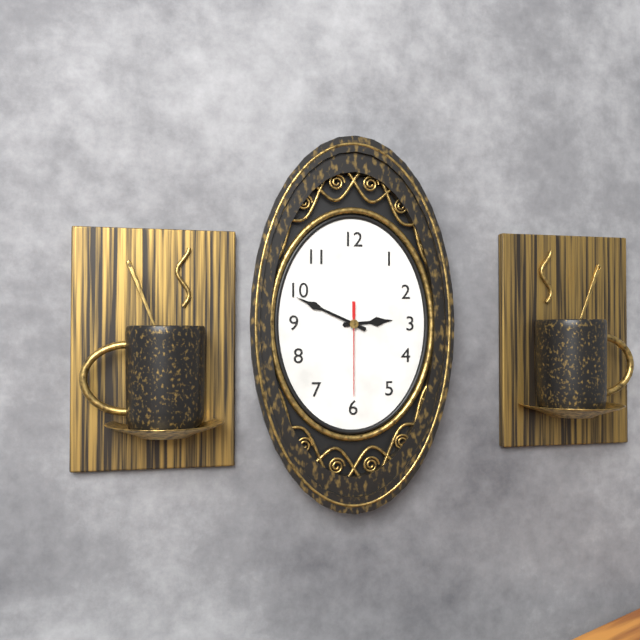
**2:49:30**
